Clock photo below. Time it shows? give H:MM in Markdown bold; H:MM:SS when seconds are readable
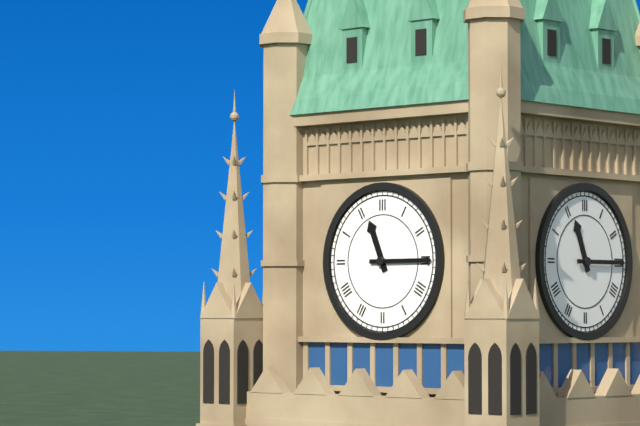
**11:15**
